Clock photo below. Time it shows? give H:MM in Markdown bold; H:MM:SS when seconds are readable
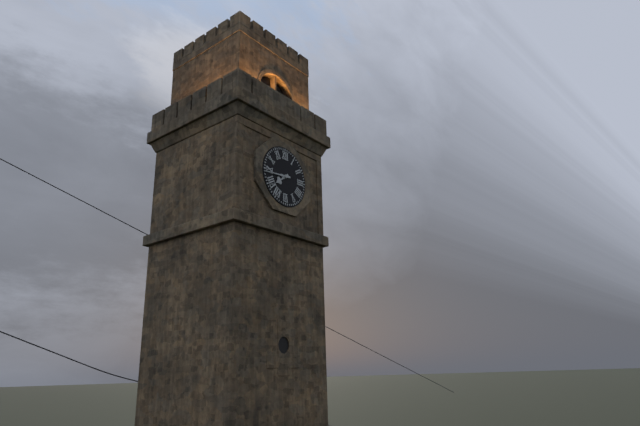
**7:44**
